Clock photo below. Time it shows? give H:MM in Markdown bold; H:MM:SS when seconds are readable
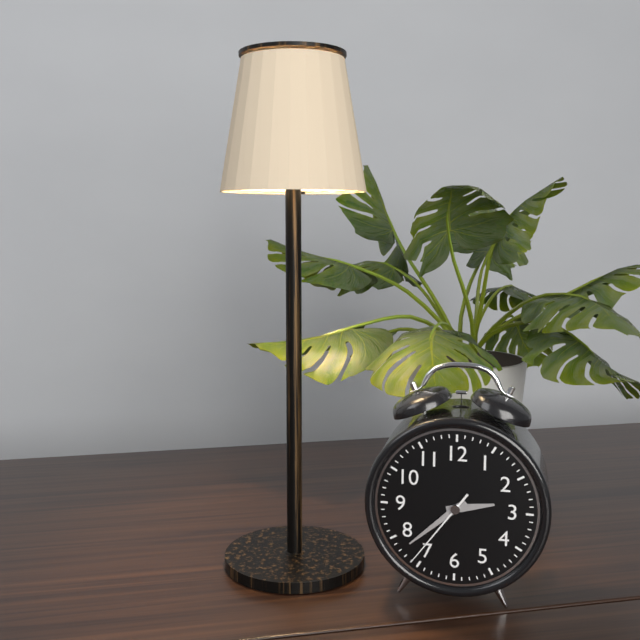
**2:38:36**
